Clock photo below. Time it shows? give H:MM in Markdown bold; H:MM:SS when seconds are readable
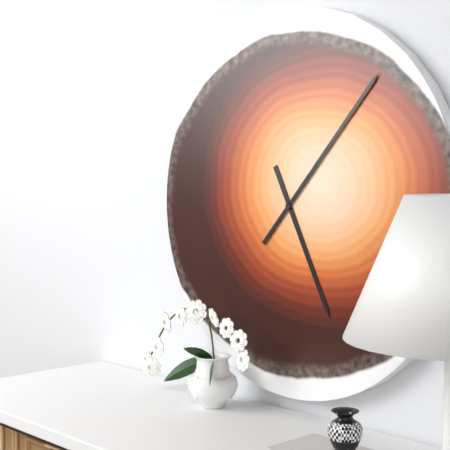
**5:07**
